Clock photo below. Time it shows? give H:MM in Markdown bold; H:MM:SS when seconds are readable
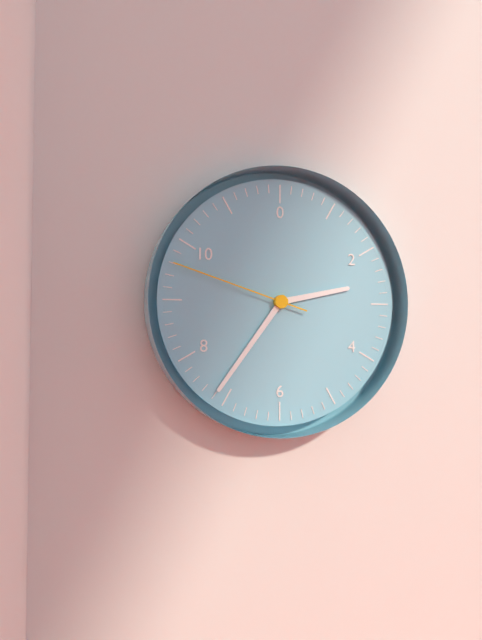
**2:36:48**
